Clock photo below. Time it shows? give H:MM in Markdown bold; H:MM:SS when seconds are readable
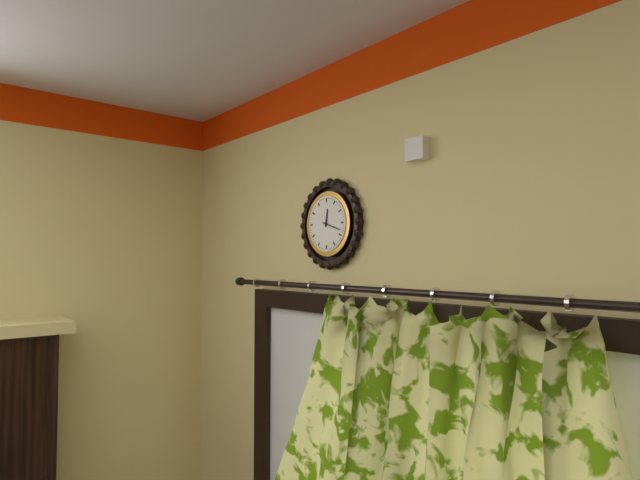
**12:18**
